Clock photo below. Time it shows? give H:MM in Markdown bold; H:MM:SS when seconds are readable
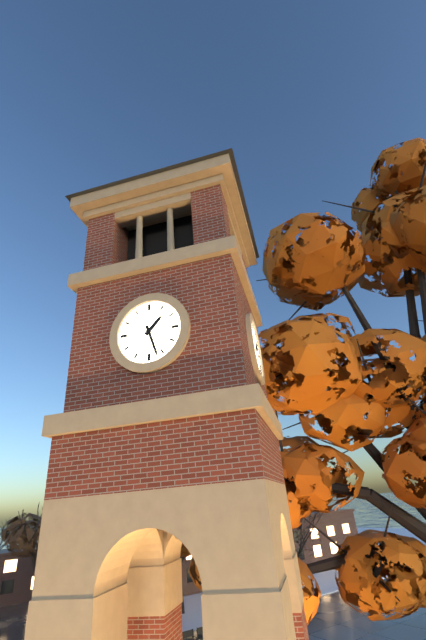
**1:27**
